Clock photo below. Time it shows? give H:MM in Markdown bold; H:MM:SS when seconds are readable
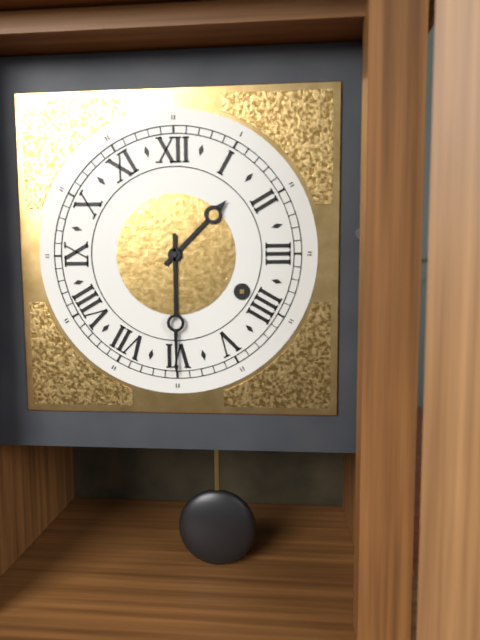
**1:30**
